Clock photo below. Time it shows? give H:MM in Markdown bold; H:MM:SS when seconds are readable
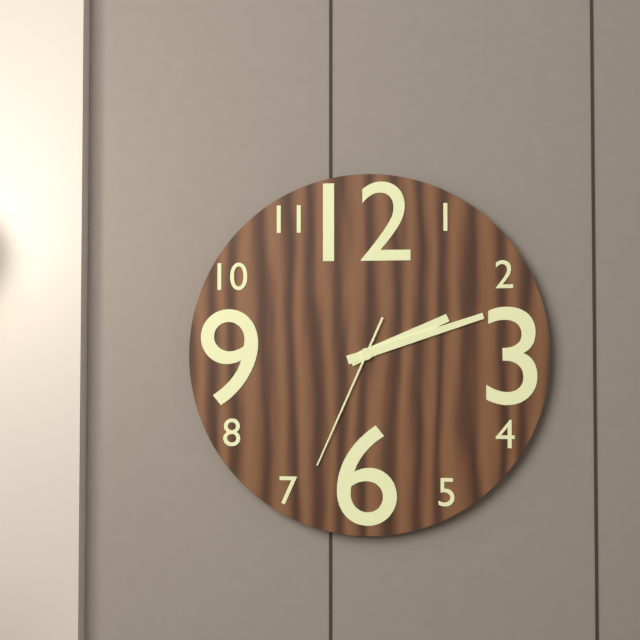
**2:12:34**
